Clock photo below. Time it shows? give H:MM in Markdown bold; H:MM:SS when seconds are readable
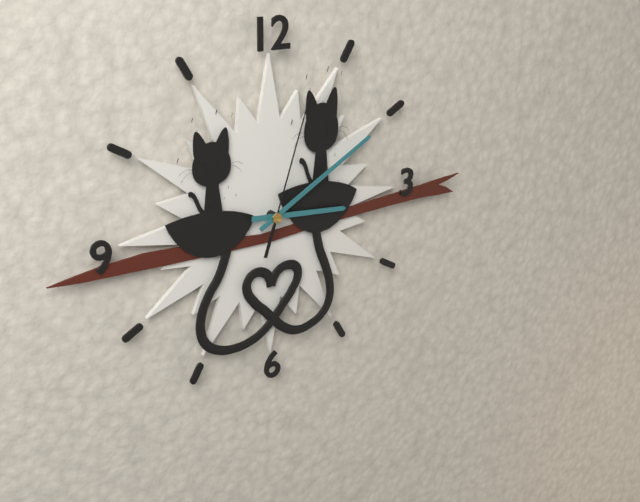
**3:10:03**
